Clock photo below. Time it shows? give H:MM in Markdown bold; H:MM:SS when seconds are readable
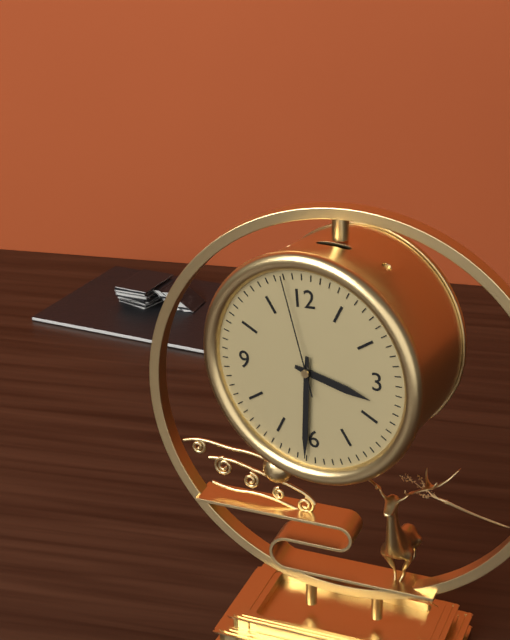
**3:31:58**
